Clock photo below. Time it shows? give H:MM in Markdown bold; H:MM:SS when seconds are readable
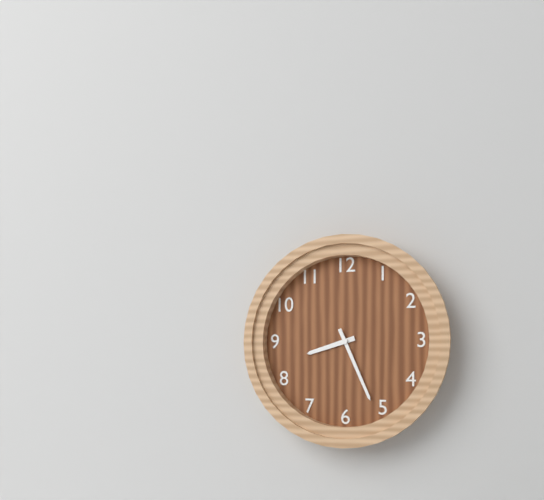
**8:26**
